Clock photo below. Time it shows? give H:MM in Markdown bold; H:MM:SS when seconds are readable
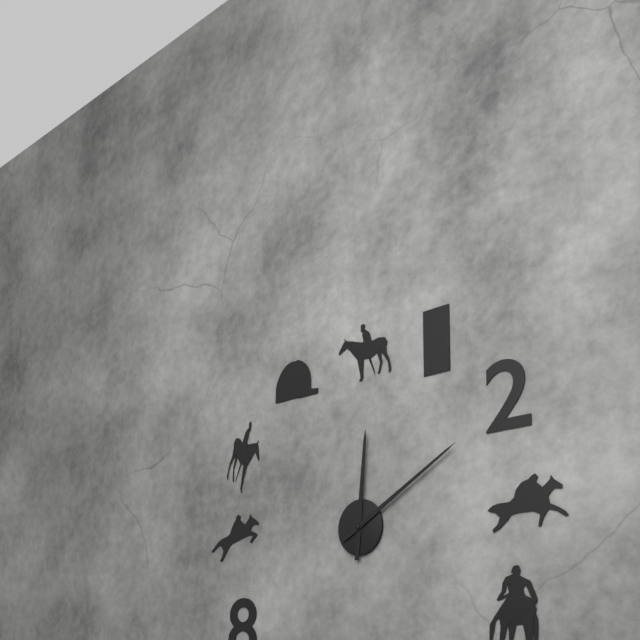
**12:10**
